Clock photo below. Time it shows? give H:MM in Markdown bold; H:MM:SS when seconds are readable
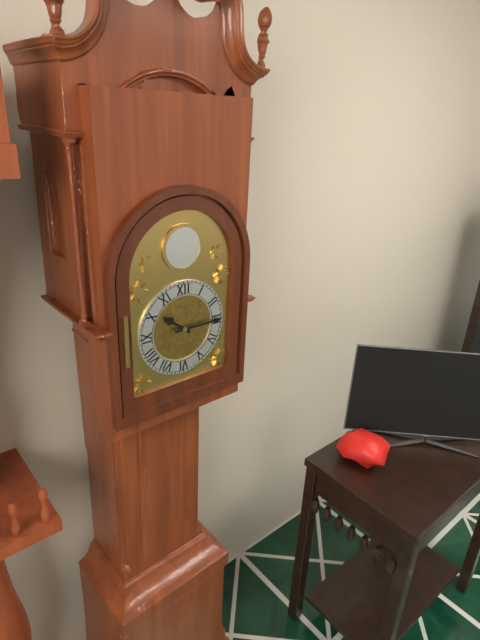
**10:15**
